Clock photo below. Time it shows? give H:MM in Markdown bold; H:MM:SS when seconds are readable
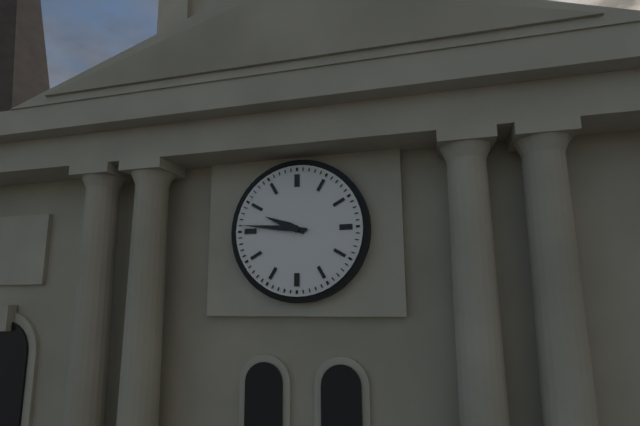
**9:46**
